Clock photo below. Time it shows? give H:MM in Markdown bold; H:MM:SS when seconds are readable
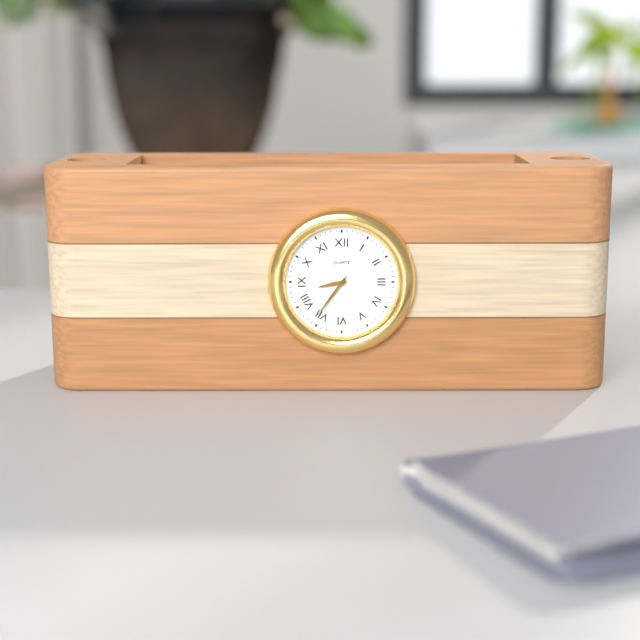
**8:36:36**
